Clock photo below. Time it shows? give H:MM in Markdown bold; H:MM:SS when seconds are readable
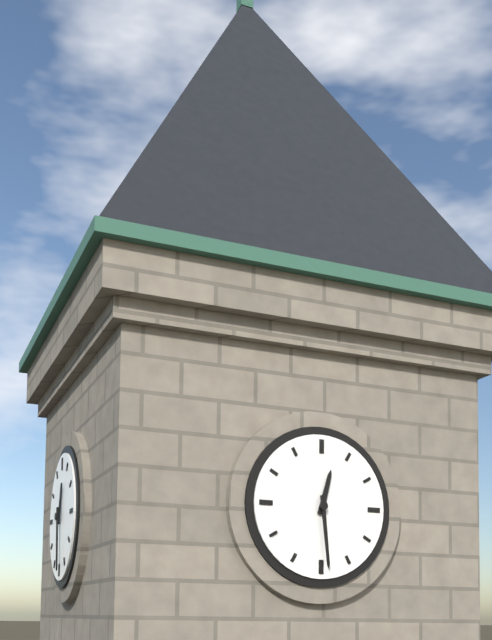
**12:29**
